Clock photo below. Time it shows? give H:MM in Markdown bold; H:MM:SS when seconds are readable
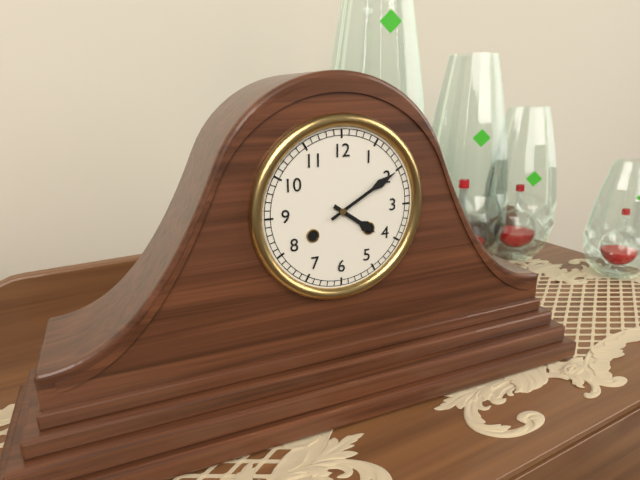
**4:10**
